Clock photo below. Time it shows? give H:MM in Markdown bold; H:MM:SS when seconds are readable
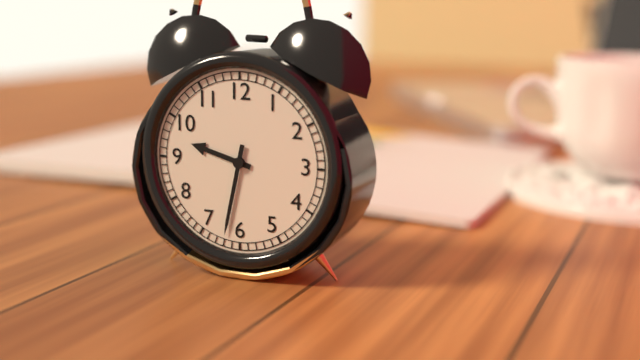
**9:32**
